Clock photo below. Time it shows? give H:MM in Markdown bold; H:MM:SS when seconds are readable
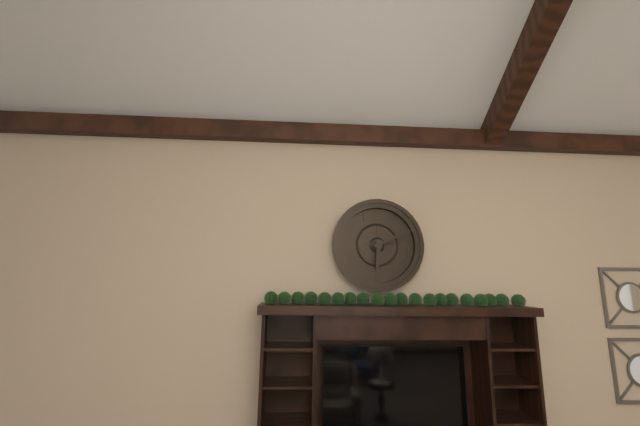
**6:11**
